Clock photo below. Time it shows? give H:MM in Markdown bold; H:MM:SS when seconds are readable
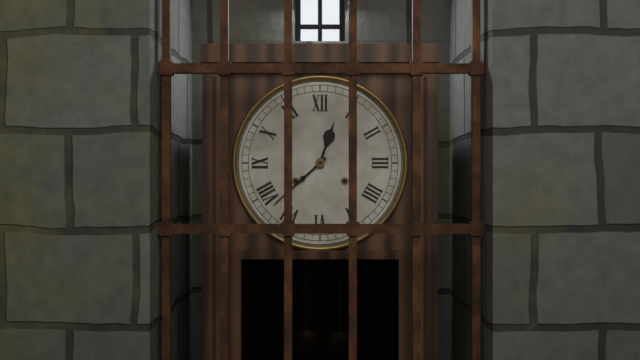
**12:38**
